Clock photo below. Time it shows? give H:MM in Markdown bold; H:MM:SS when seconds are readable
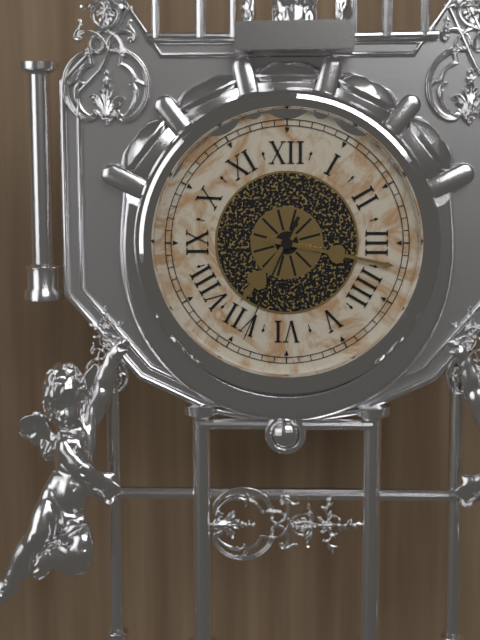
**7:17:34**
